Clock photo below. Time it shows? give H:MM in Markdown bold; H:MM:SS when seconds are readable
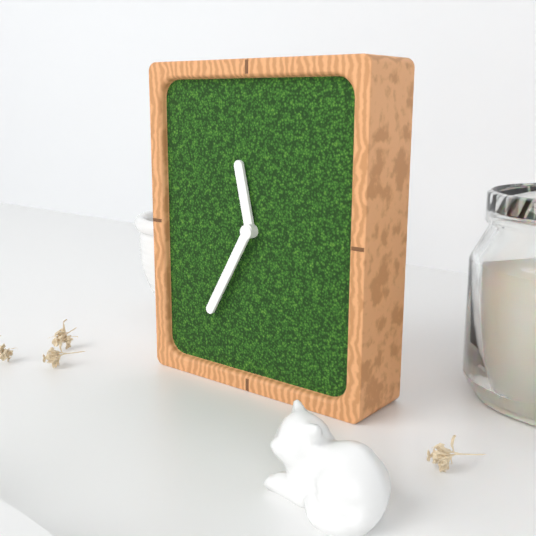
**11:35**
